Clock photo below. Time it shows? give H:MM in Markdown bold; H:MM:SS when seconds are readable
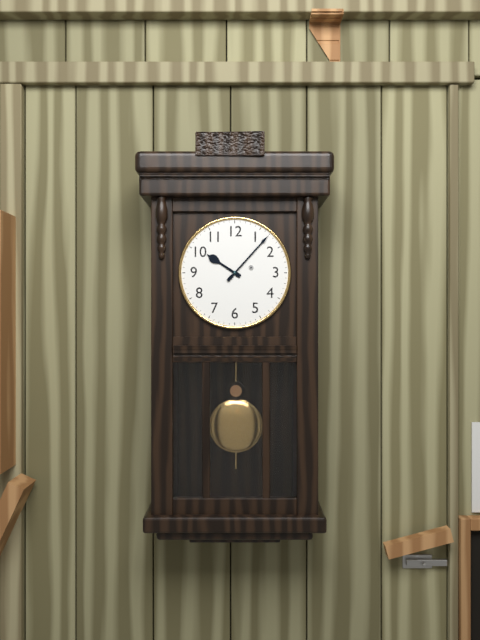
**10:07**
